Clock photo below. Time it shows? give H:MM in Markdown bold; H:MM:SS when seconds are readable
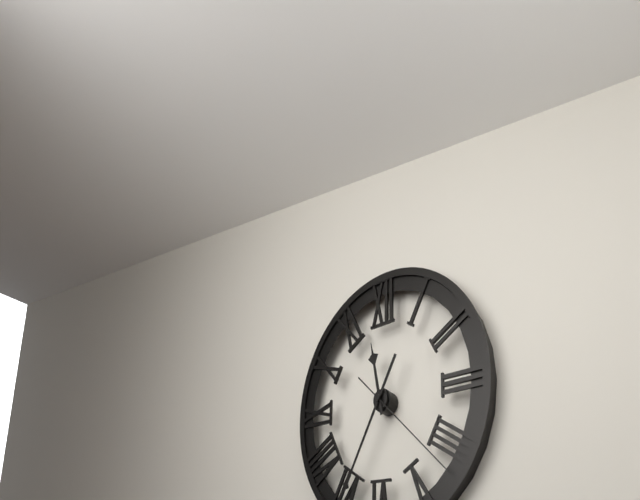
**11:35:22**
